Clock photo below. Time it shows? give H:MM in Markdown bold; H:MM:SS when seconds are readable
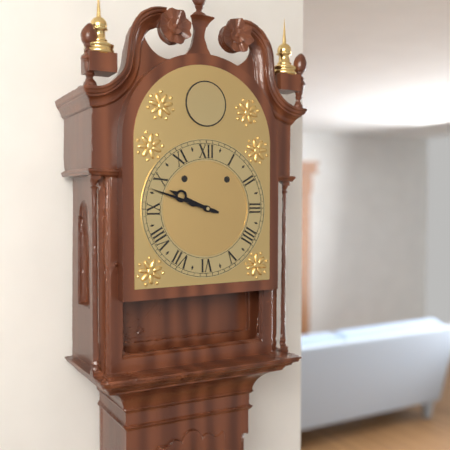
**9:48**
